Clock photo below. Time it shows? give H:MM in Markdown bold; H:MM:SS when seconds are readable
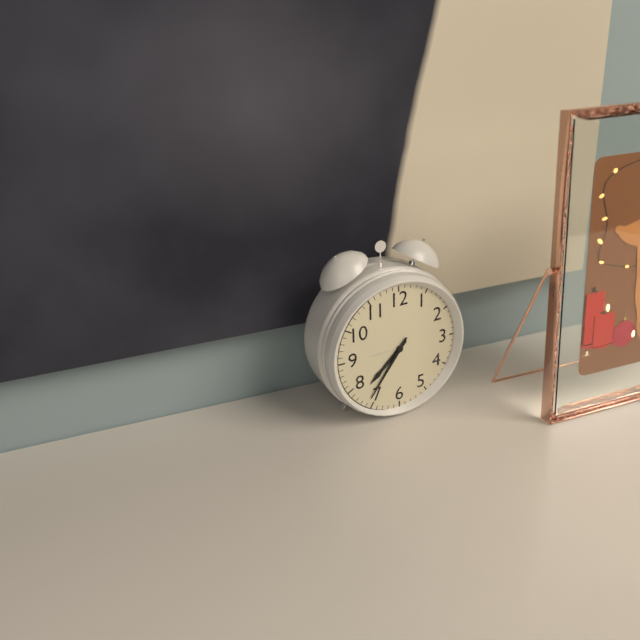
**7:36**
